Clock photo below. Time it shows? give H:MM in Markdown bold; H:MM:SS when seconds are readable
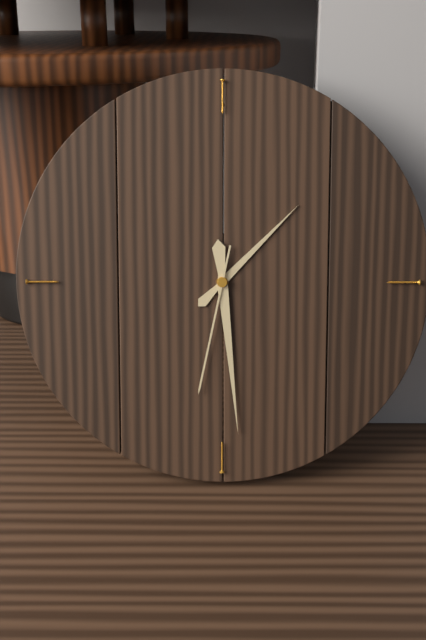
**1:29:32**
